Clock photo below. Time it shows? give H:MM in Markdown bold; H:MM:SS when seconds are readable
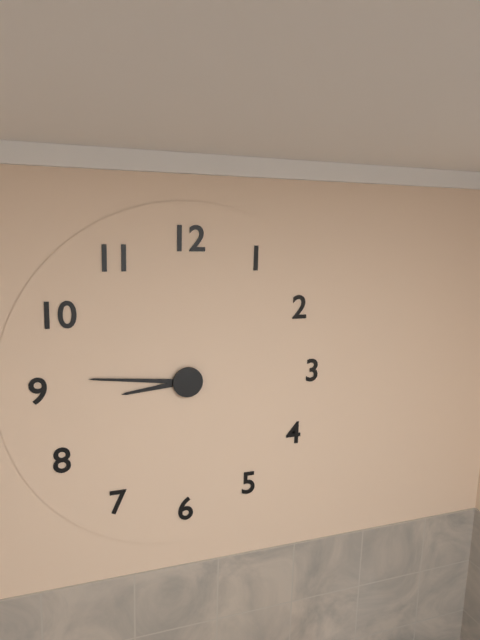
**8:46**
